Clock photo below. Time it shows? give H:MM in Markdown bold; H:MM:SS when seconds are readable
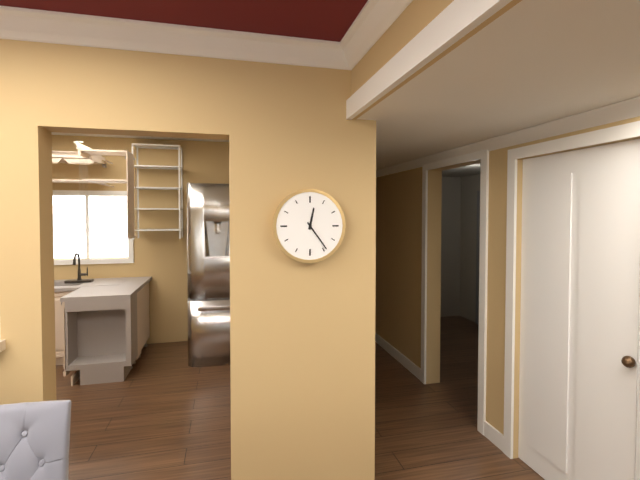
**12:24**
